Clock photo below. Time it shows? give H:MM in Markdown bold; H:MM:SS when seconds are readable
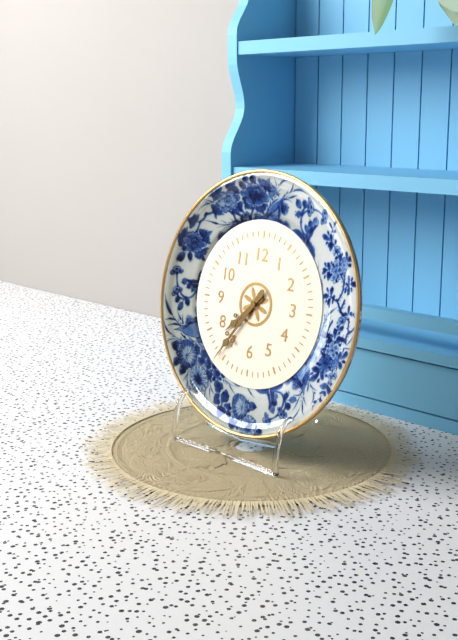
**7:36**
